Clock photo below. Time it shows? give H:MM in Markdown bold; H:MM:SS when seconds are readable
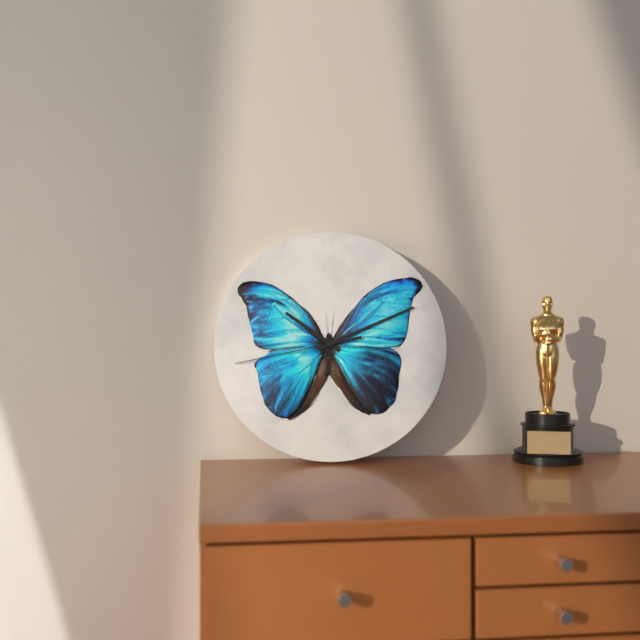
**10:11:43**
